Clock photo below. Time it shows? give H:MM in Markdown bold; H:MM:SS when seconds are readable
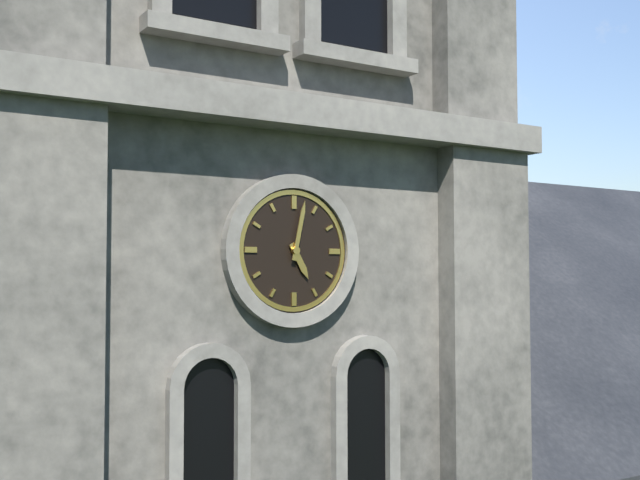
**5:02**
